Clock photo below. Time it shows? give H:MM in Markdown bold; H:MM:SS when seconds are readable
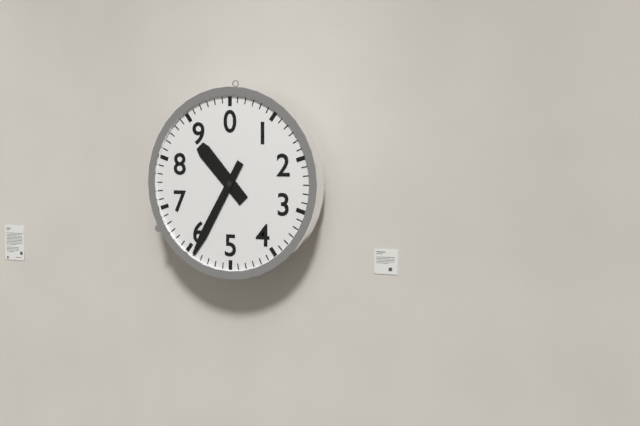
**10:35**
